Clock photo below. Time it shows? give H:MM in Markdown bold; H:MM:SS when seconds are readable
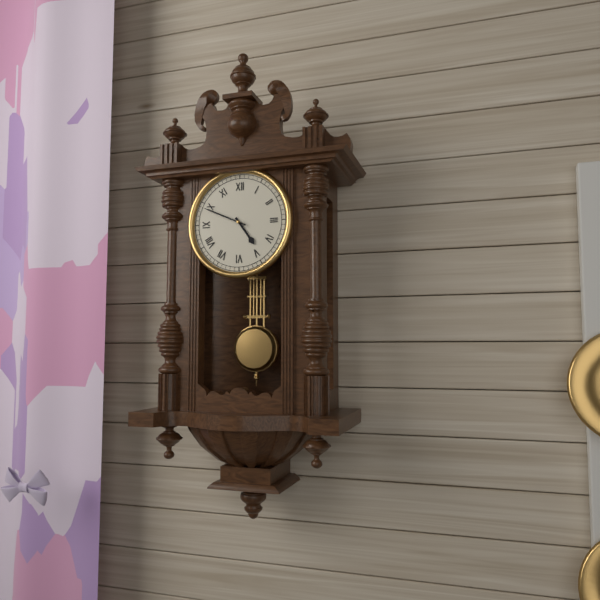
**4:49**
